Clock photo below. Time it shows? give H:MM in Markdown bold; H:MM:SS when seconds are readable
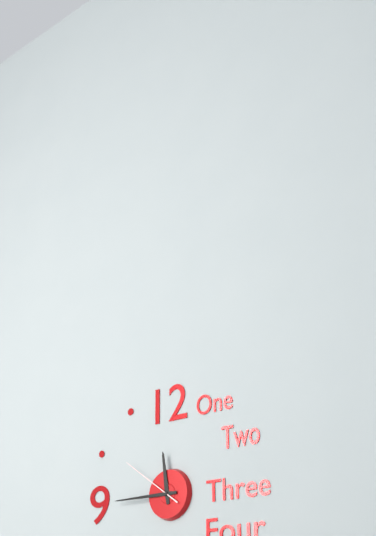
**11:45:51**
